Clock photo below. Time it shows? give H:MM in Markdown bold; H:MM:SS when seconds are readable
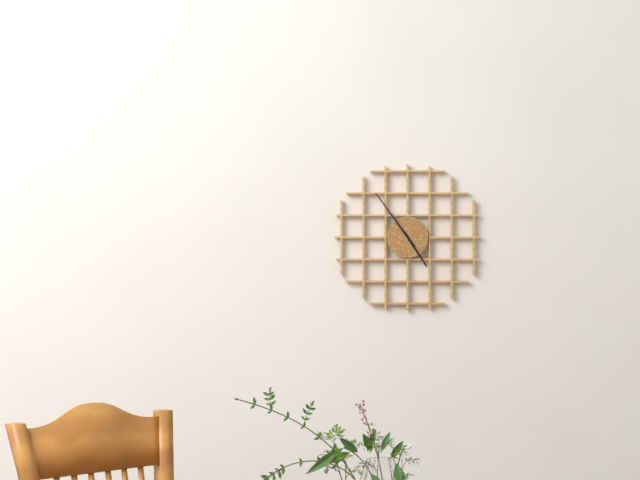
**4:54**
